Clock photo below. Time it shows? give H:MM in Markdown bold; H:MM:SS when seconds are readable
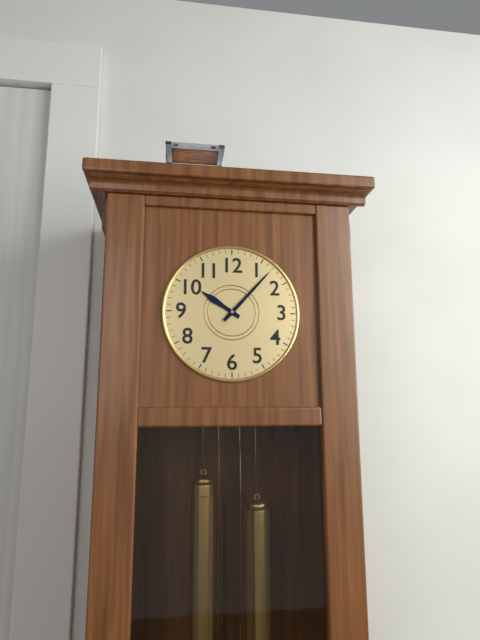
**10:07**
